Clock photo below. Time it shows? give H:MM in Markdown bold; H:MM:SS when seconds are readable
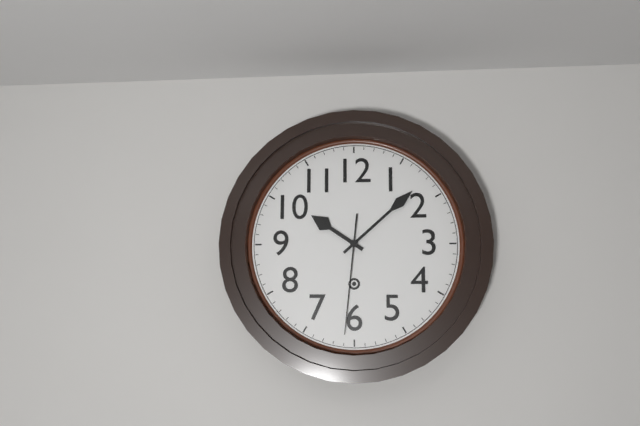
**10:08:31**
